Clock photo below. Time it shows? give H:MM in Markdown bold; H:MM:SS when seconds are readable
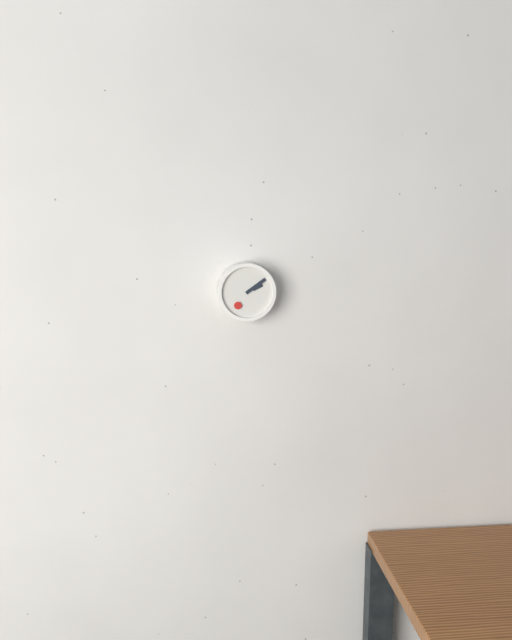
**2:09**
